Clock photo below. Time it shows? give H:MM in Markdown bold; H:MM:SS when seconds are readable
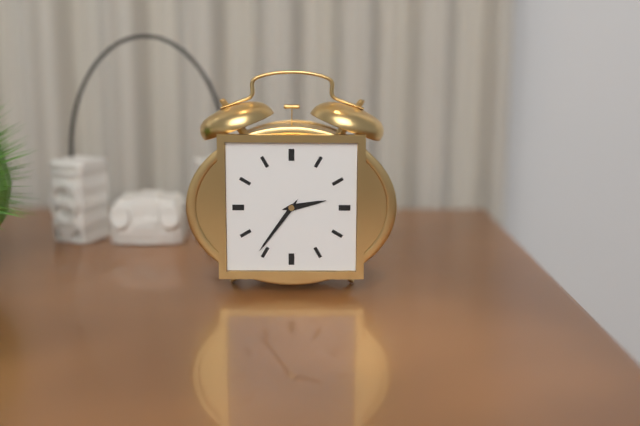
**2:36**
